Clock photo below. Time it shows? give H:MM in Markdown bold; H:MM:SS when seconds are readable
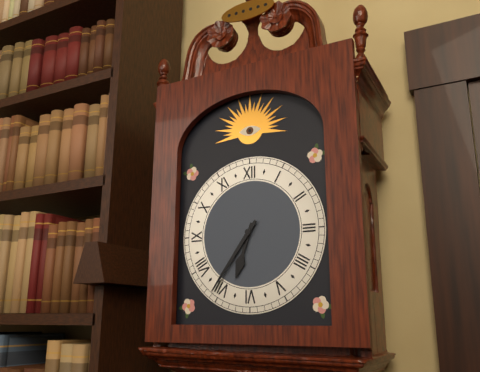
**6:36**
